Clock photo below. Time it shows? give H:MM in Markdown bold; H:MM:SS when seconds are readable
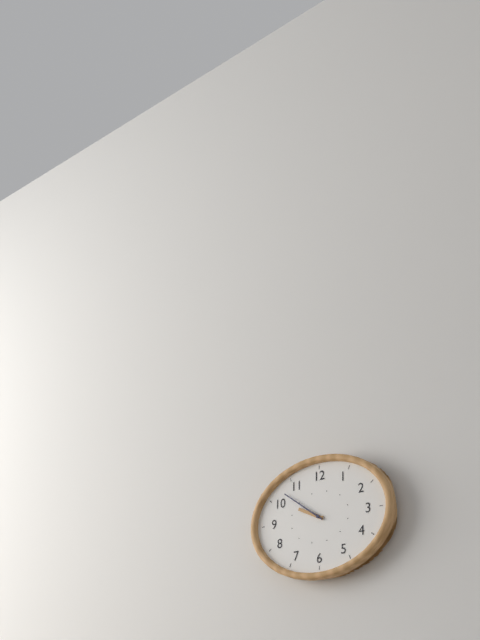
**9:51**
